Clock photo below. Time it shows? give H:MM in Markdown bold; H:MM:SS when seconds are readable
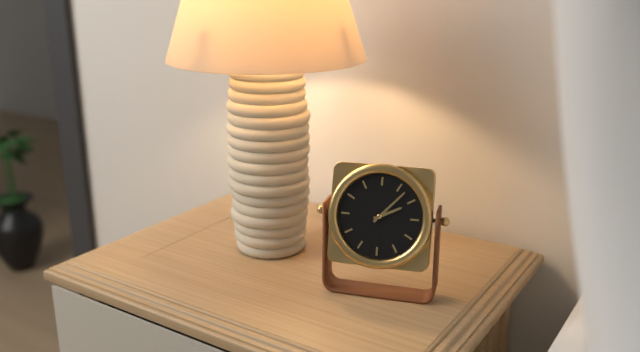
**2:07**
